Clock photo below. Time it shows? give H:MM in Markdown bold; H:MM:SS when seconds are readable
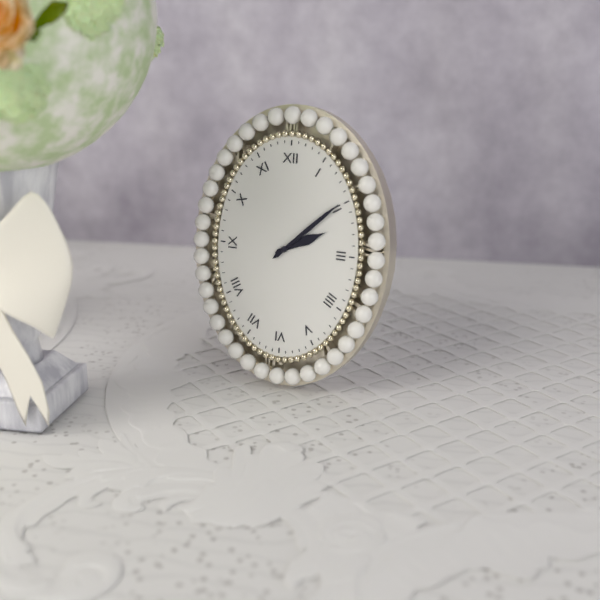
**2:08**
